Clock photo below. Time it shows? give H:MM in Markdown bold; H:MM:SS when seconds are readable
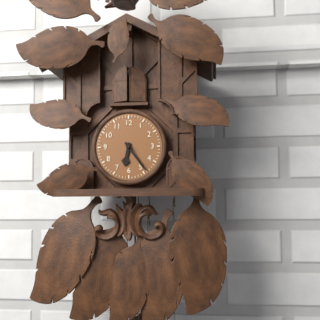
**6:24**
